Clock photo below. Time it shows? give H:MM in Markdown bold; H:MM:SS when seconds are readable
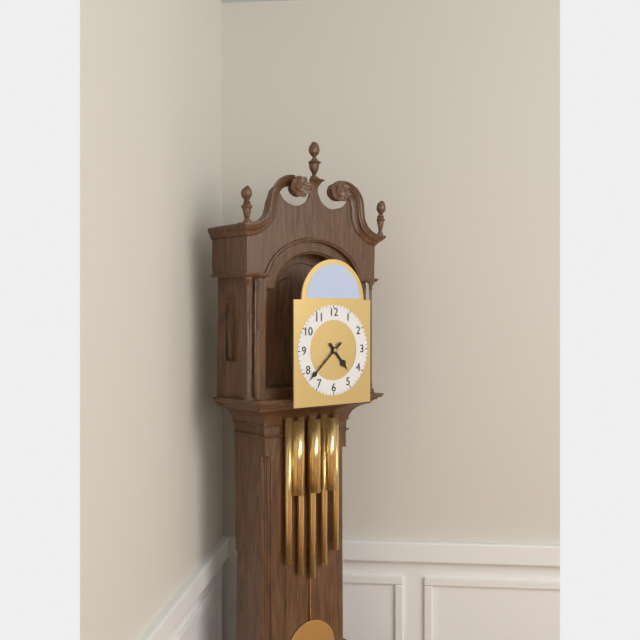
**4:38**
